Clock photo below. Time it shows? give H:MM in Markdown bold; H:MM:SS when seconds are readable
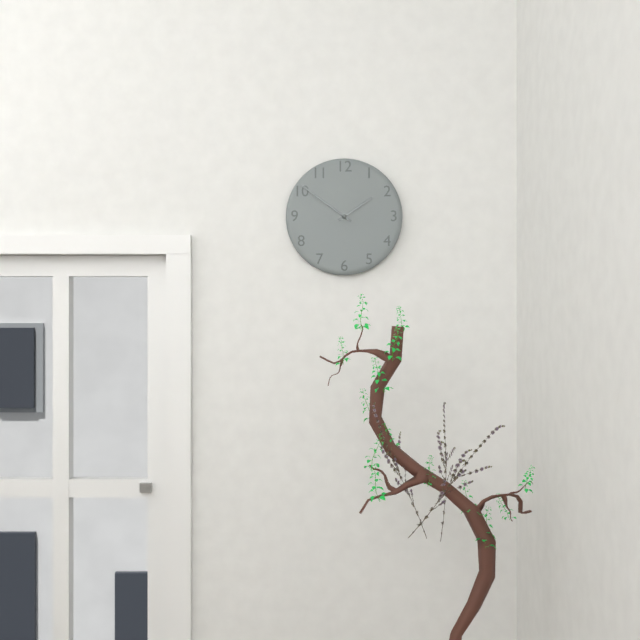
**1:51**
